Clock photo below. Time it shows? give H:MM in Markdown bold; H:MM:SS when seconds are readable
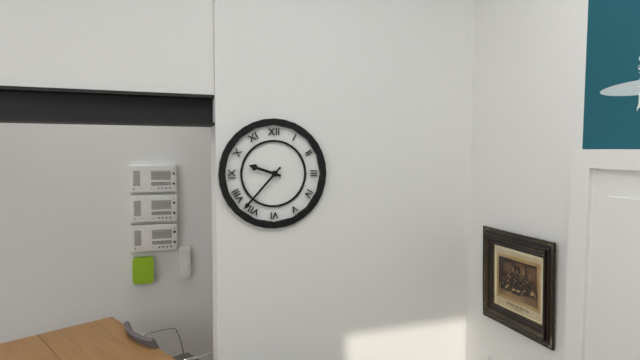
**9:37**
